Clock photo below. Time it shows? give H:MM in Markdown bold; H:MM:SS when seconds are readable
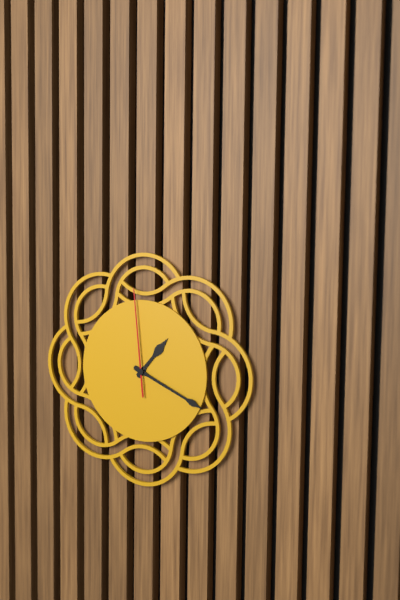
**1:19:59**
